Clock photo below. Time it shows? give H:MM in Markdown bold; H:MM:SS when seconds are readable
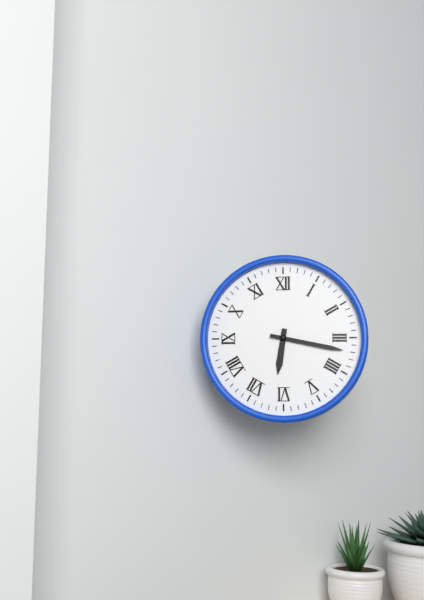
**6:17**
